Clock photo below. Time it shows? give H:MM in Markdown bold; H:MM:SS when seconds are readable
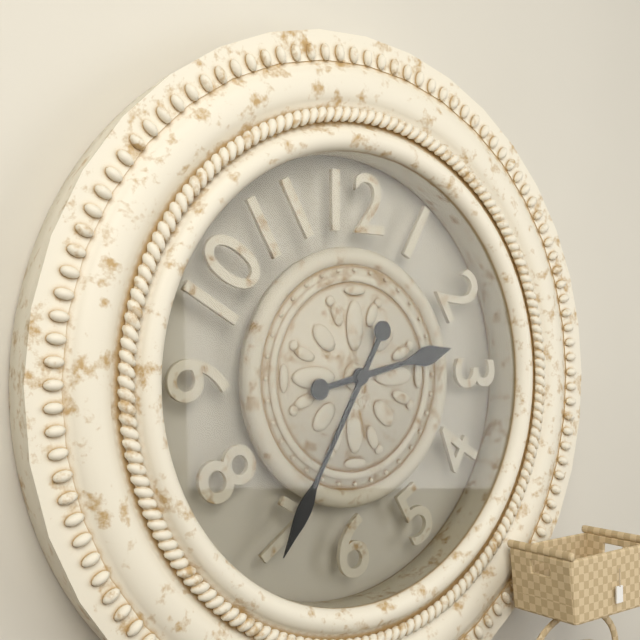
**2:35**
